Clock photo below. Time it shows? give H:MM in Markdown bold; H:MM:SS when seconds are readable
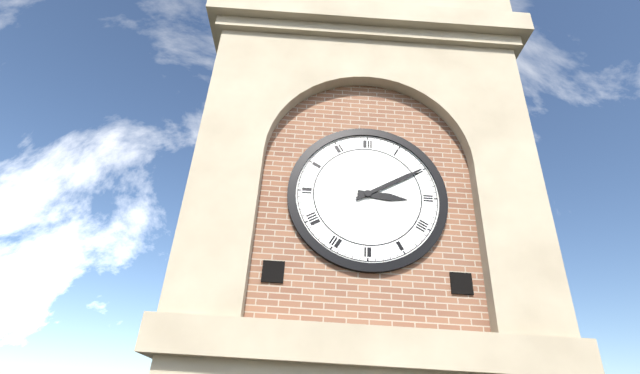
**3:10**
